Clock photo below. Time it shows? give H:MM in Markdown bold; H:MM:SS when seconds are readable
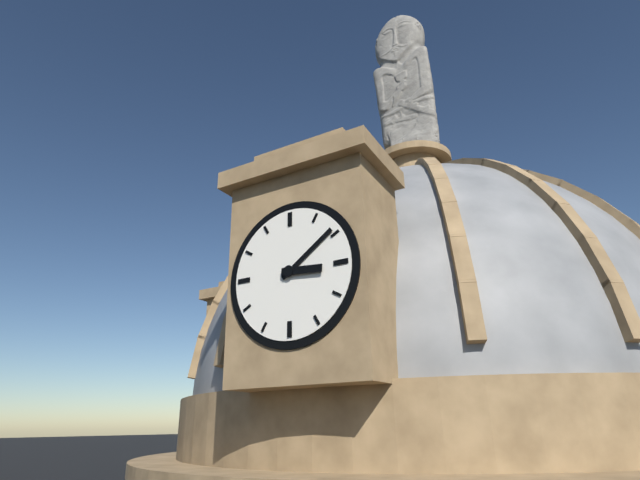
**3:09**
